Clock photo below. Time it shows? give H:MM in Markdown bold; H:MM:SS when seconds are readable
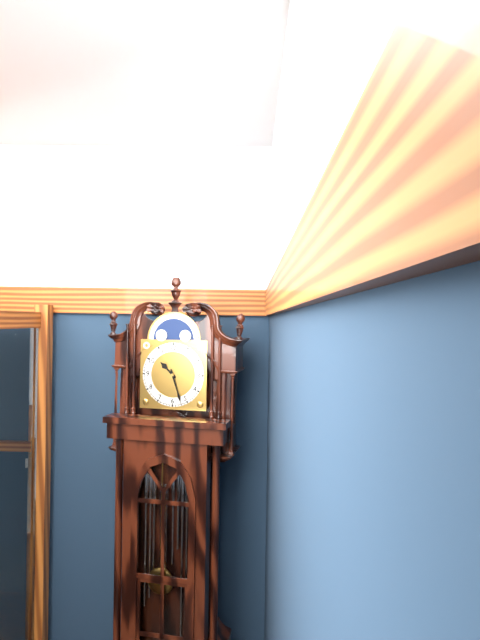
**10:27**
